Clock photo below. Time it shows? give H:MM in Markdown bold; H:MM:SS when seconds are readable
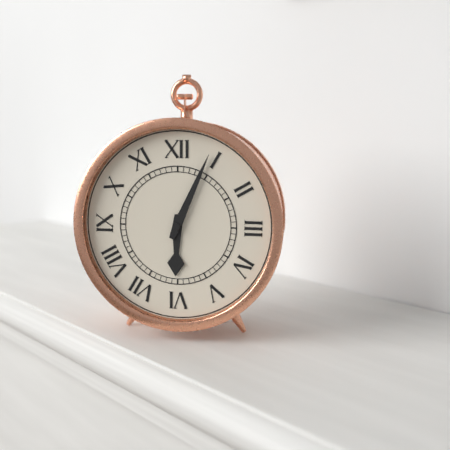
**6:04**
